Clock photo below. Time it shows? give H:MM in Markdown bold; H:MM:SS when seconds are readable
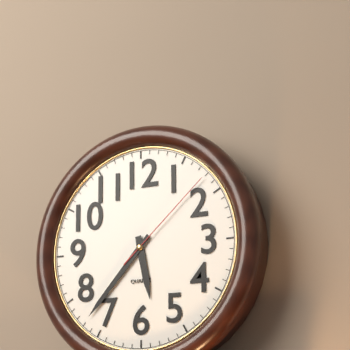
**5:37:08**
